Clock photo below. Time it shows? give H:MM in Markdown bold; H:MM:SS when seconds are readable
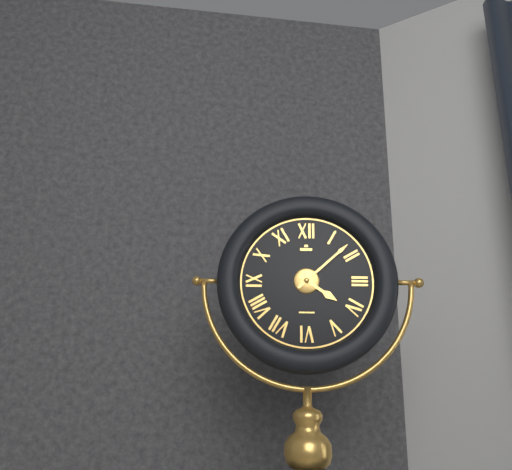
**4:08**
